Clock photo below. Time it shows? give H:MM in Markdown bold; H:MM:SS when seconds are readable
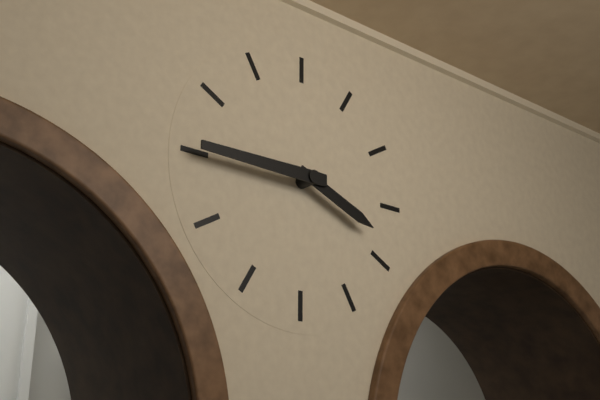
**3:45**
